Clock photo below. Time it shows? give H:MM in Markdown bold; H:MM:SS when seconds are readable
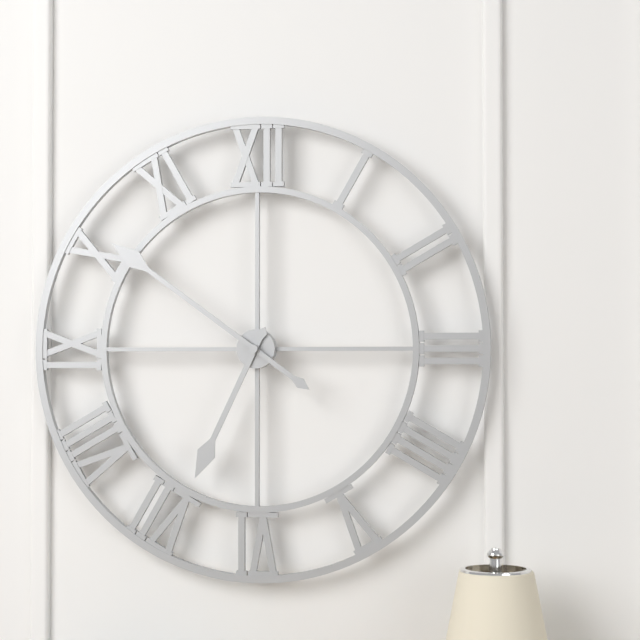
**6:51**
